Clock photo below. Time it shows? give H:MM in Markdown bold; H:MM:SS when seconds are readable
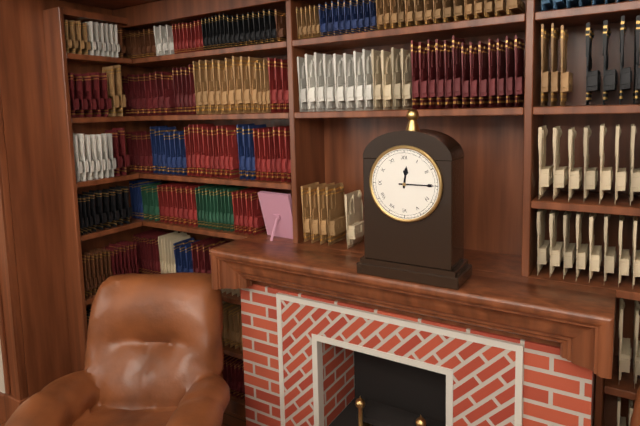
**12:15**
